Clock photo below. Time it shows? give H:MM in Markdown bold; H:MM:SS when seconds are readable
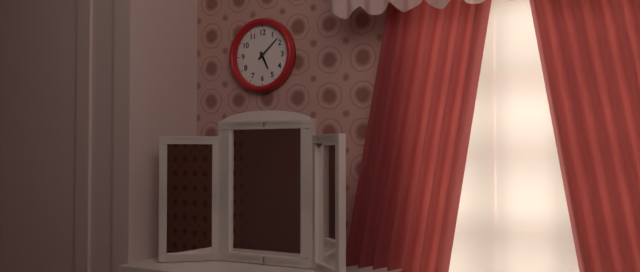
**5:08**
